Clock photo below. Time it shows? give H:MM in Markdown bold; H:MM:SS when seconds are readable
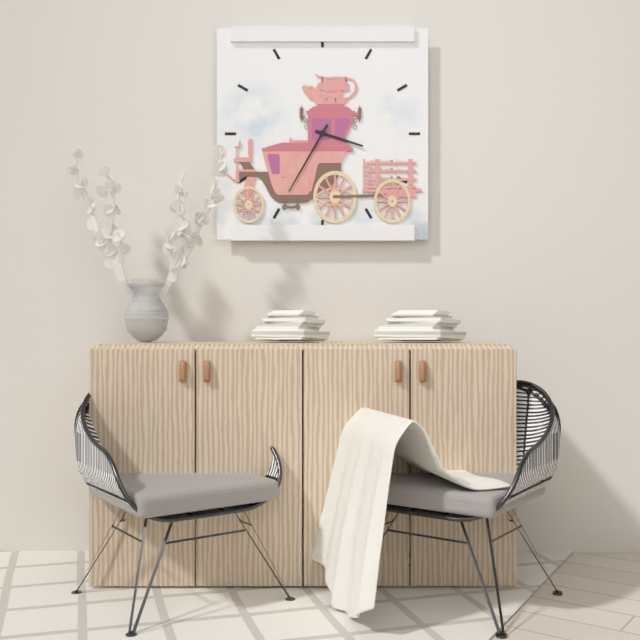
**3:35**
